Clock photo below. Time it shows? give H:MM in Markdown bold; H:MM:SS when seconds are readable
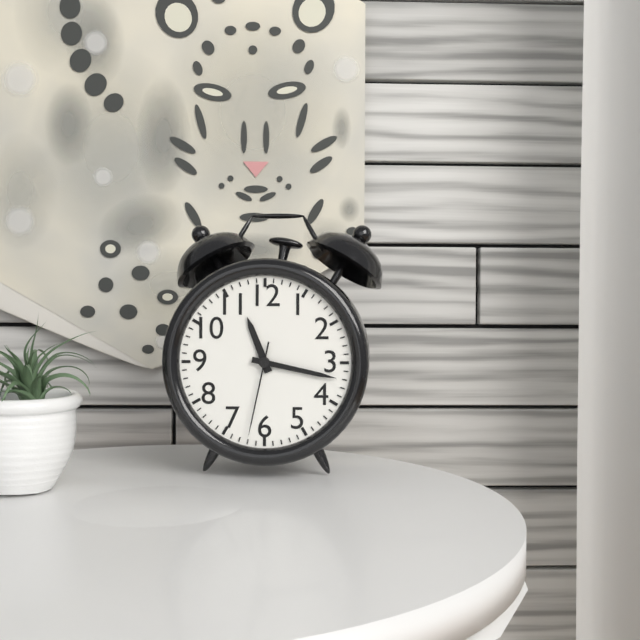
**11:17:32**
